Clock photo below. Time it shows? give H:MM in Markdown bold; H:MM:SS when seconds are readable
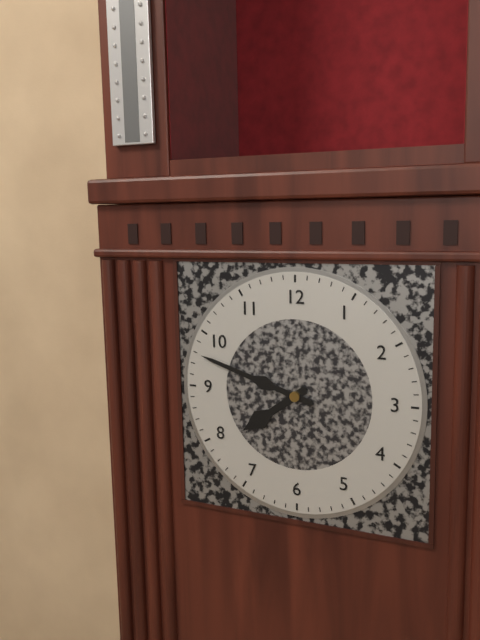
**7:48**
